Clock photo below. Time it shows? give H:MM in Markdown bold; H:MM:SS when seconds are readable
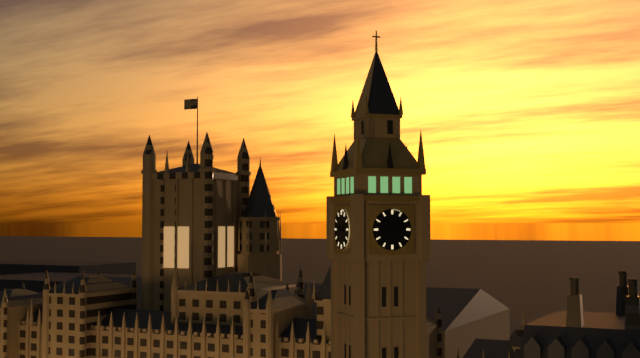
**1:52**
